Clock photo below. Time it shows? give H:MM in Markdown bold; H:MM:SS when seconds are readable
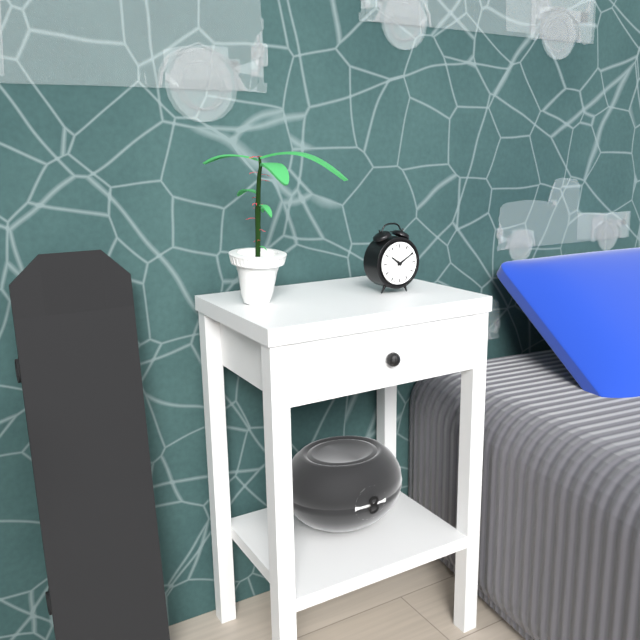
**10:10**
